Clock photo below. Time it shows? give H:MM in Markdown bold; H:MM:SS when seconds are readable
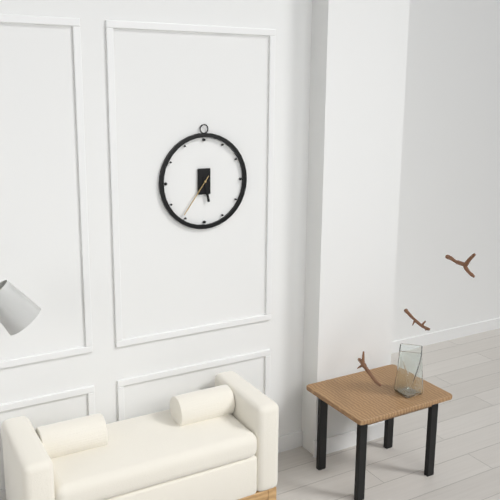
**5:36**
